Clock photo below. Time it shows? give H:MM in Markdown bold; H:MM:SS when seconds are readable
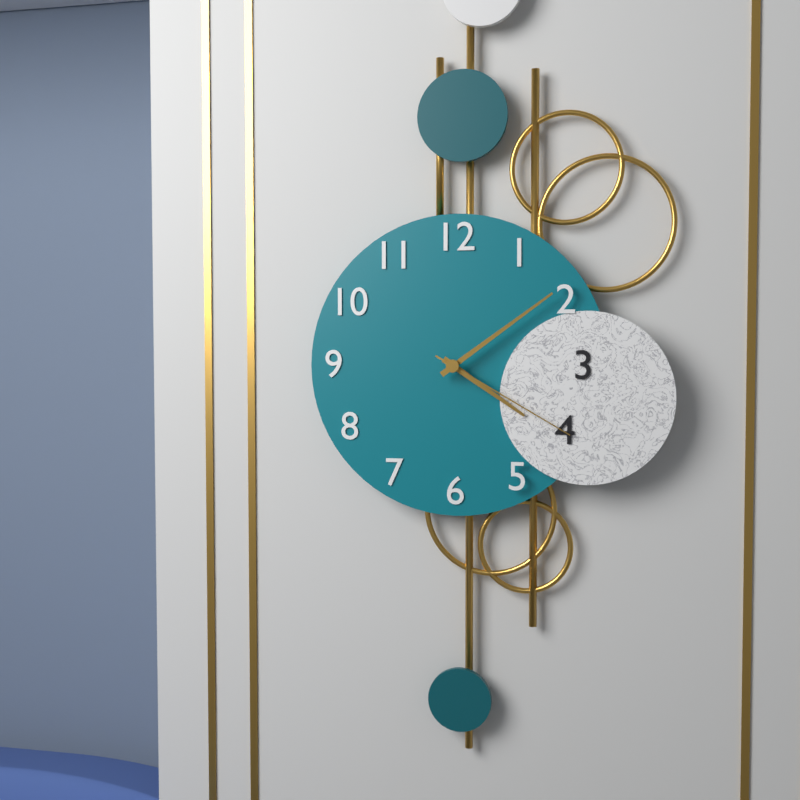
**4:09:20**
